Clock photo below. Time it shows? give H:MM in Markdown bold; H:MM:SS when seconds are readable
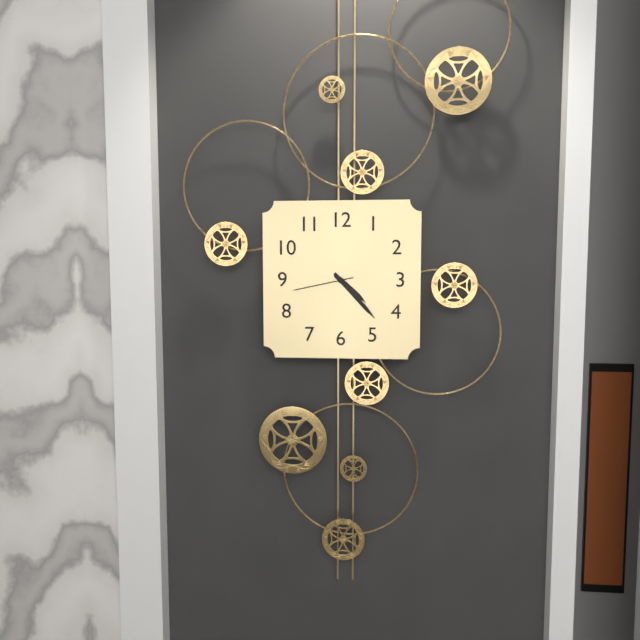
**4:23:43**
